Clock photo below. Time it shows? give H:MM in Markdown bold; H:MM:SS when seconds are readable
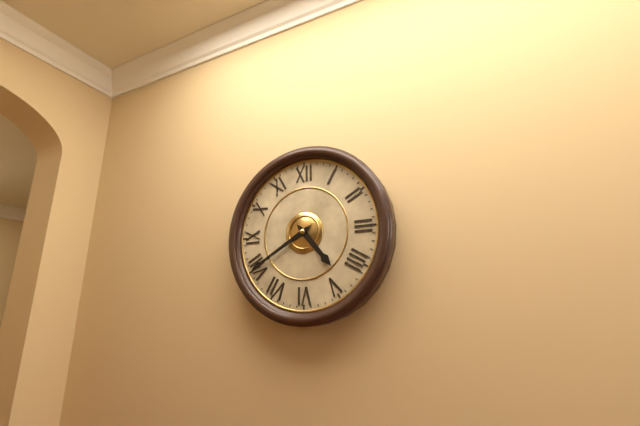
**4:40**
